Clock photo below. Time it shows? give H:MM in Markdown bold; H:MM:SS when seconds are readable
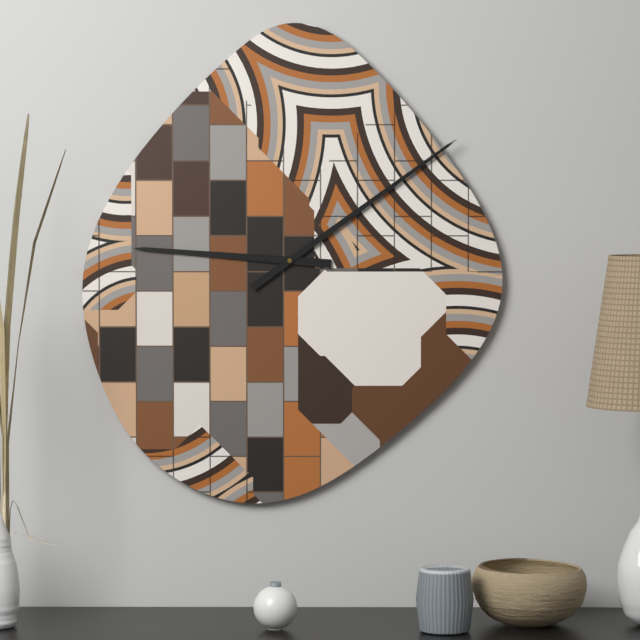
**9:09**
